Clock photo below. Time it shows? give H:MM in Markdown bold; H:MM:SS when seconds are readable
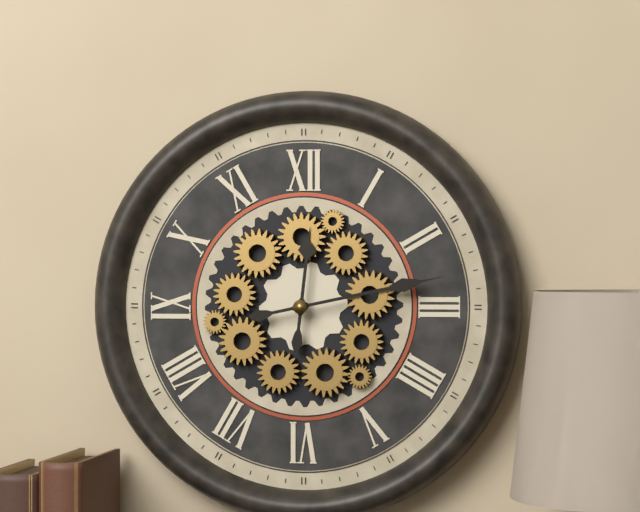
**12:13**
